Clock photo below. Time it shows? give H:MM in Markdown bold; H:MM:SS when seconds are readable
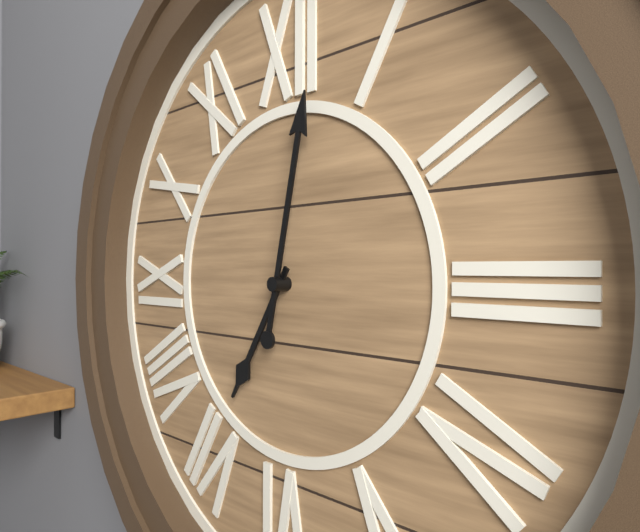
**7:02**
